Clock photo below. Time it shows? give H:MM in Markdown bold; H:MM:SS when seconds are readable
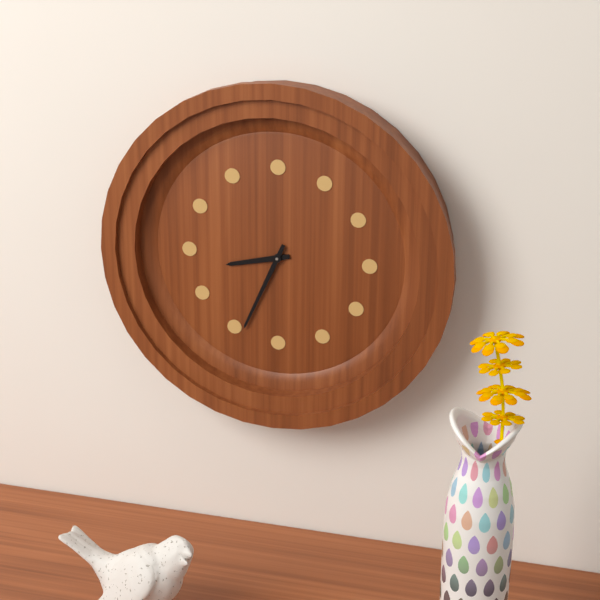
**8:34**
